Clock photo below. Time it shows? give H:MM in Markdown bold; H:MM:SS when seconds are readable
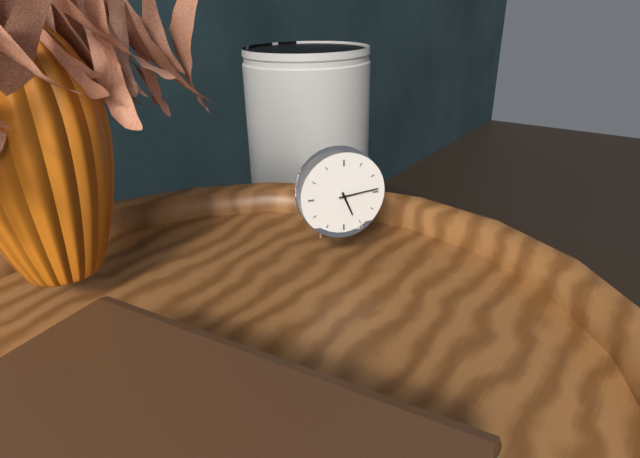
**5:14**
